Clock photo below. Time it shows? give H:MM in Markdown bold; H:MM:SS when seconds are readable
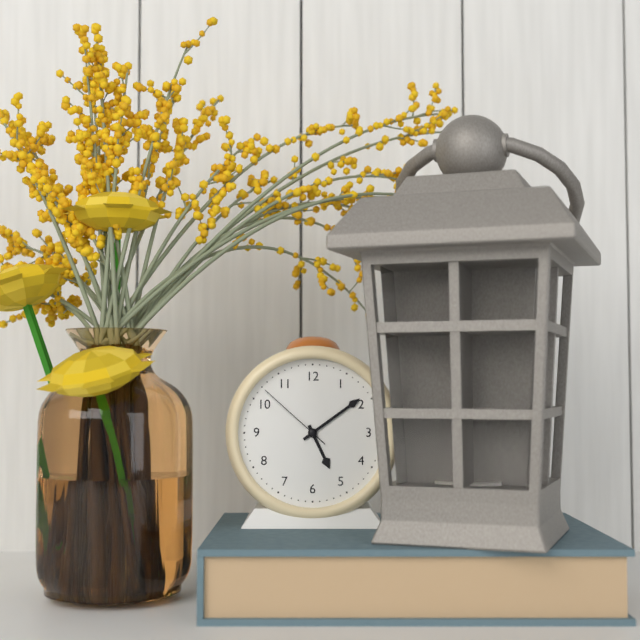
**5:09:52**
